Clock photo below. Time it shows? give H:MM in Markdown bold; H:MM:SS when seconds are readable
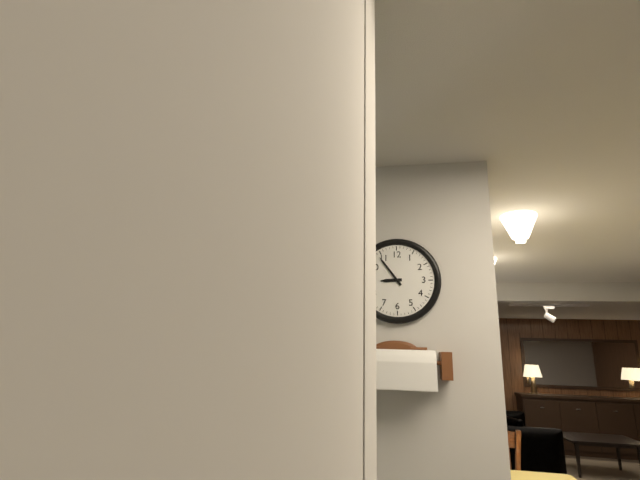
**8:54**
